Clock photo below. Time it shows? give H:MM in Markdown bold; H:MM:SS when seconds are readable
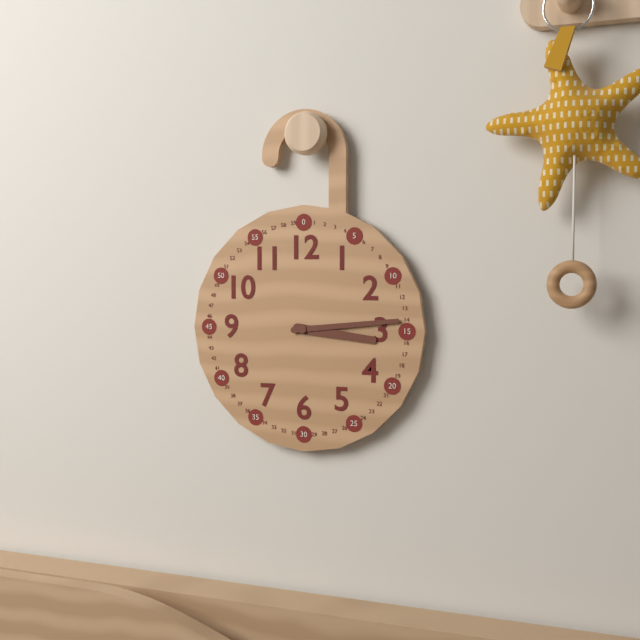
**3:14**
